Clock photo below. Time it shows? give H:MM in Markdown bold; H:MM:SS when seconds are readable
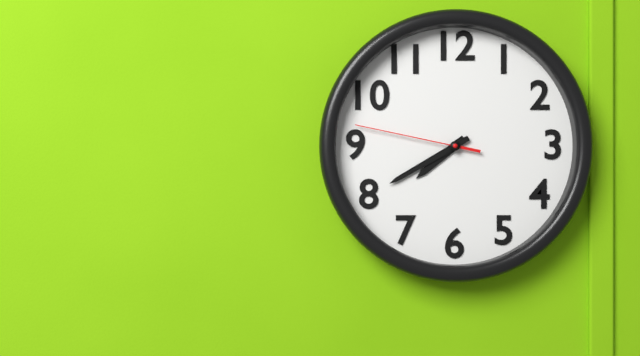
**7:40:47**
